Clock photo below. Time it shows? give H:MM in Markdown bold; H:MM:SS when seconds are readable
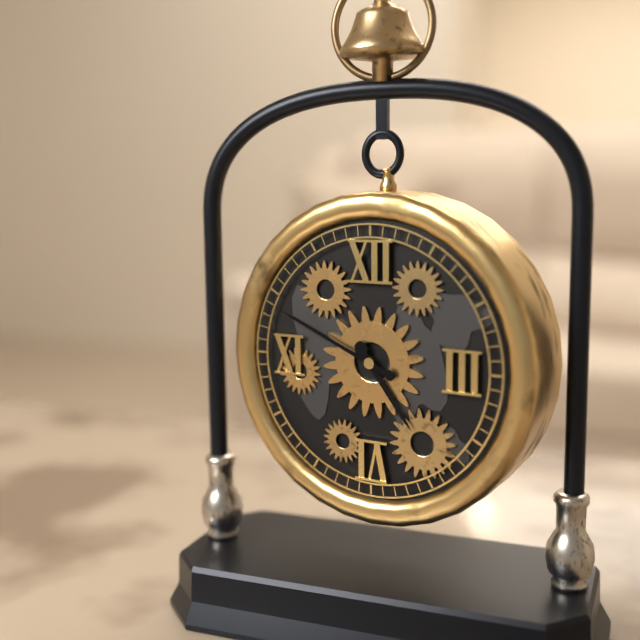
**4:49**
